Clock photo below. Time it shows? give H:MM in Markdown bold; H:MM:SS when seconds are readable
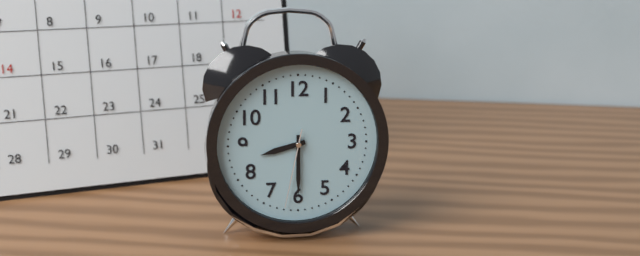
**8:30:32**
